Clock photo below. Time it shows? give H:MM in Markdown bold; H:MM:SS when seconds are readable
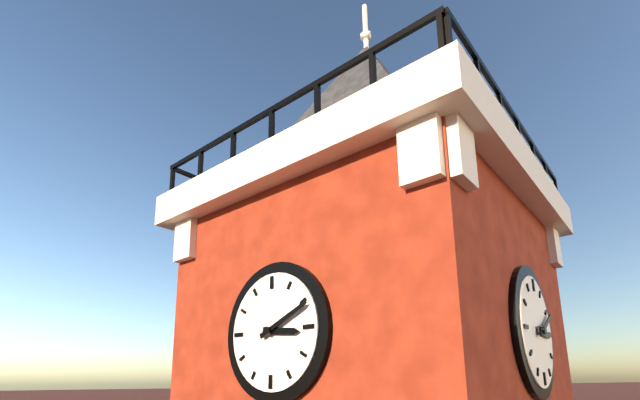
**3:11**
